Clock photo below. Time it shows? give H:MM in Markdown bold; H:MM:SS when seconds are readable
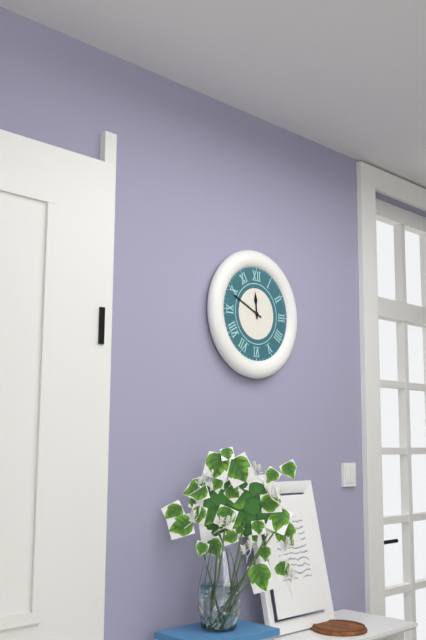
**11:49**
